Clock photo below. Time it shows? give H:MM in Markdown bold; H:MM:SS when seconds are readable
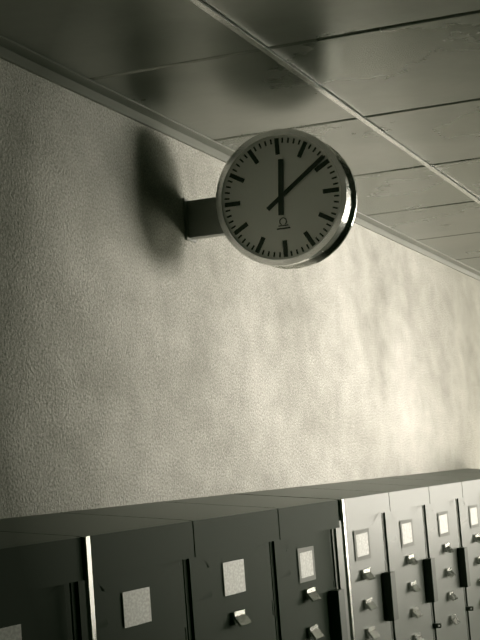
**12:09**
